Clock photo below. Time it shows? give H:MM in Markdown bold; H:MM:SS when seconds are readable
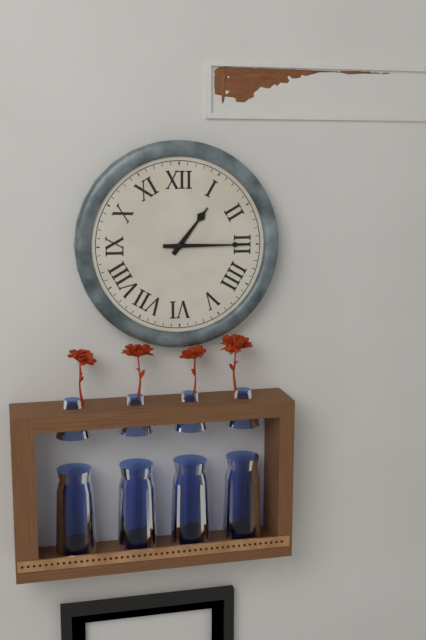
**1:15**
